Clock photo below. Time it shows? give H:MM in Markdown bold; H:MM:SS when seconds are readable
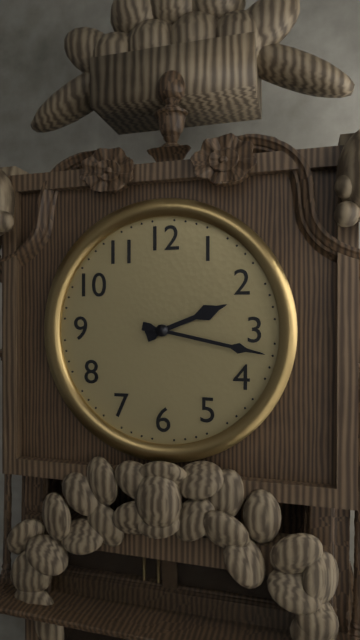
**2:17**
